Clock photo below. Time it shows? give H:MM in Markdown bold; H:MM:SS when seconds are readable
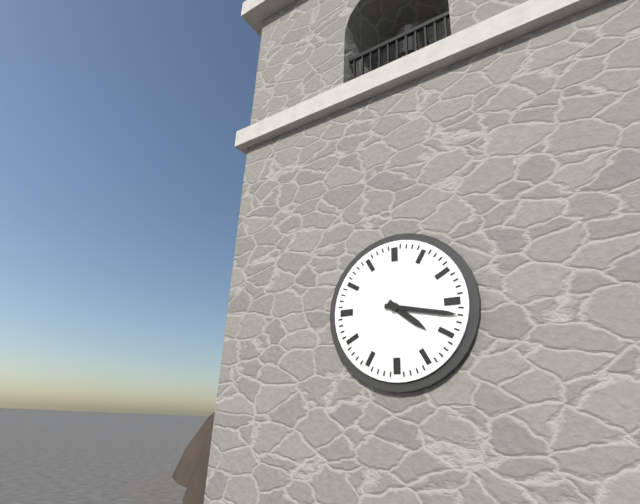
**4:17**
